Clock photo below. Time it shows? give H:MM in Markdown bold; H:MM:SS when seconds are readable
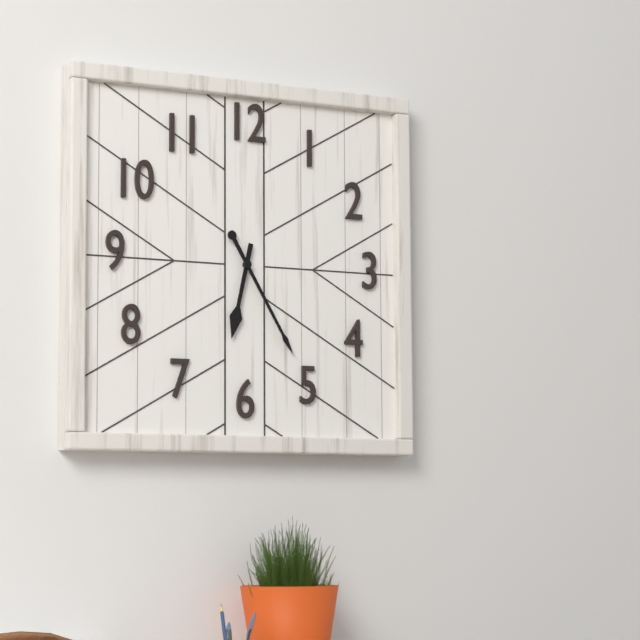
**6:25**
